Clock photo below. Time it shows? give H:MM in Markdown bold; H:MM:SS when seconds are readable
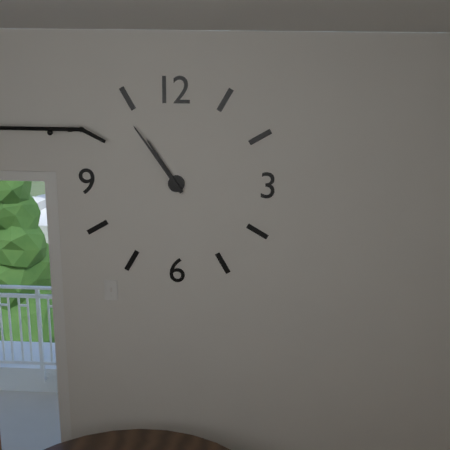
**10:54**
